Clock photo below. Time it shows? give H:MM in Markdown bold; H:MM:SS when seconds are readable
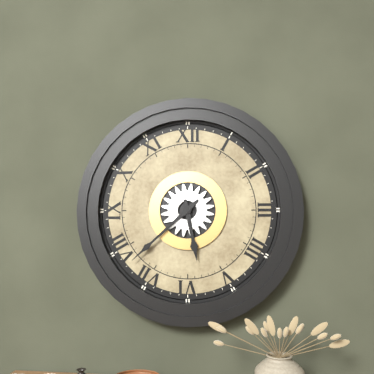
**5:38**
